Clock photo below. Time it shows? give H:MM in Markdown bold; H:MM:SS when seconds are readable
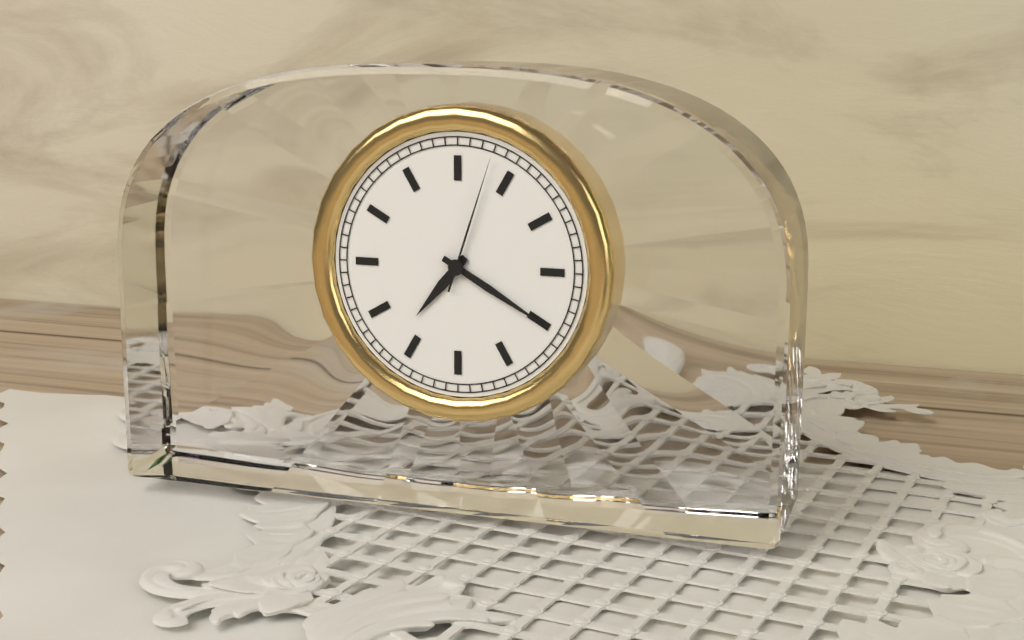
**7:20:03**
